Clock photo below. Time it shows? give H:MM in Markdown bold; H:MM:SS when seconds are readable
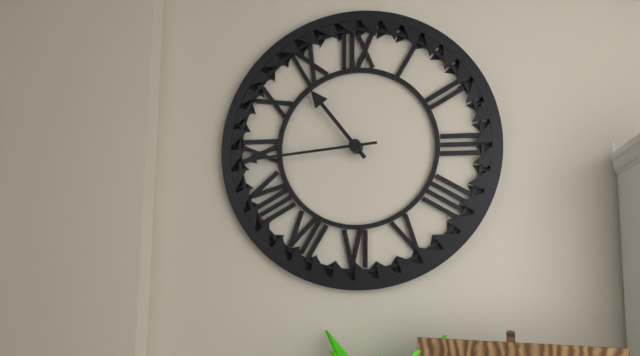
**10:44**
